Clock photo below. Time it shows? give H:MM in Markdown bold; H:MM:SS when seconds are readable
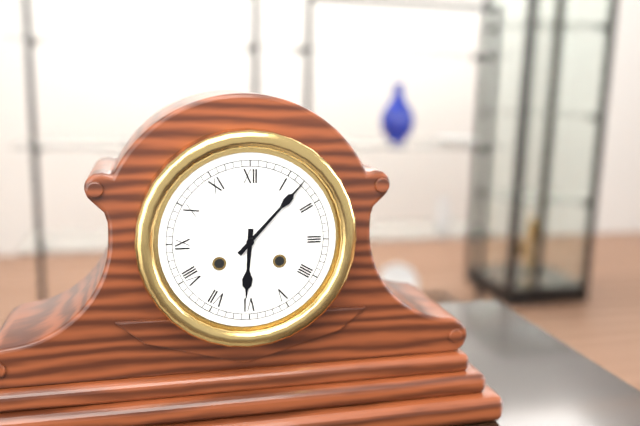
**6:07**
